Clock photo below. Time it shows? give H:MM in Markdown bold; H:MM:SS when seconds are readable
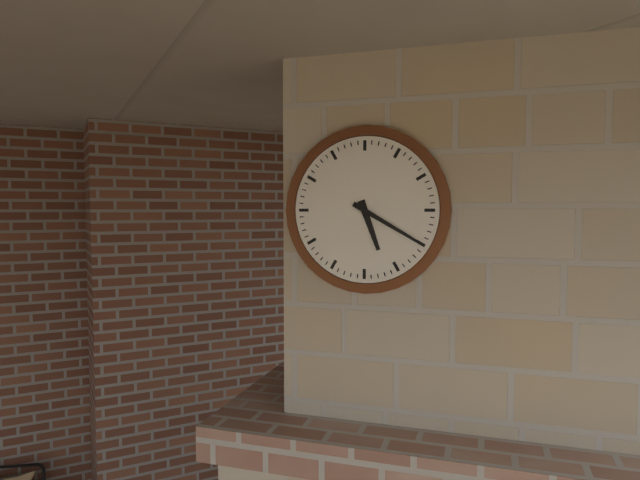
**5:20**
